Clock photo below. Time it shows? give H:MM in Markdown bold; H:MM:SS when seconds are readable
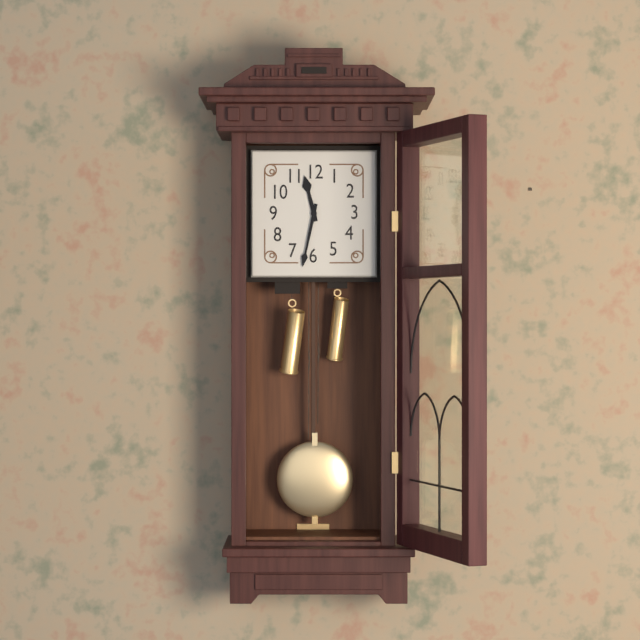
**11:32**
